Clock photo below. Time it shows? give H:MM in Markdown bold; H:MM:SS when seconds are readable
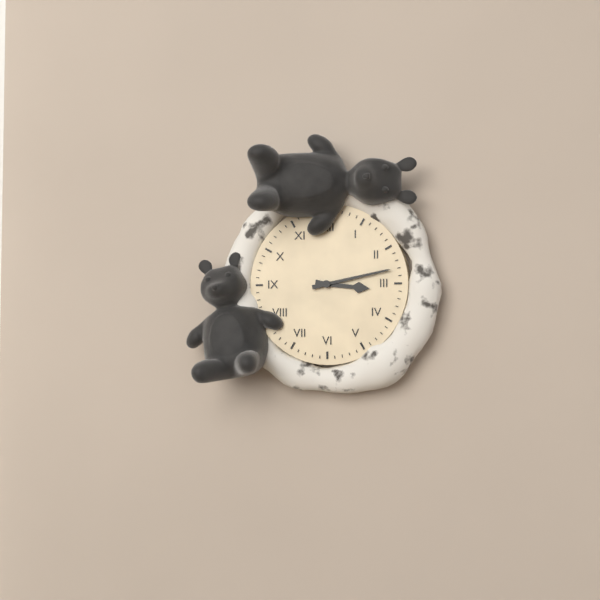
**3:13**
